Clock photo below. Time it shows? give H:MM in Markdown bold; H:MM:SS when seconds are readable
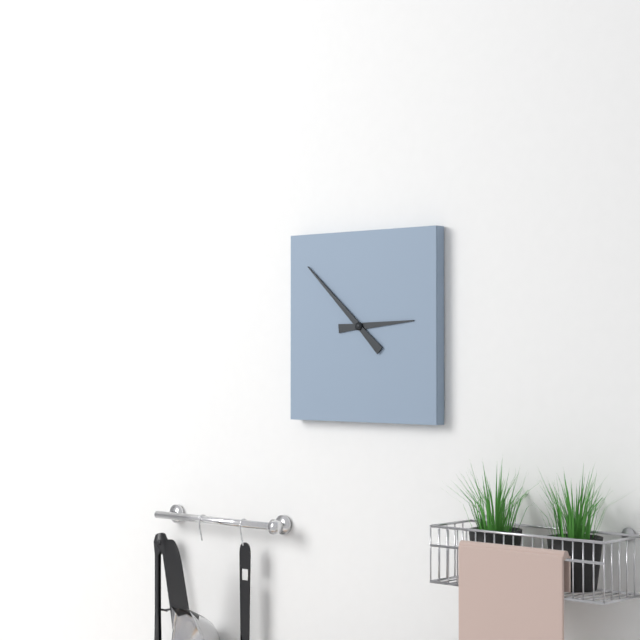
**2:52**
